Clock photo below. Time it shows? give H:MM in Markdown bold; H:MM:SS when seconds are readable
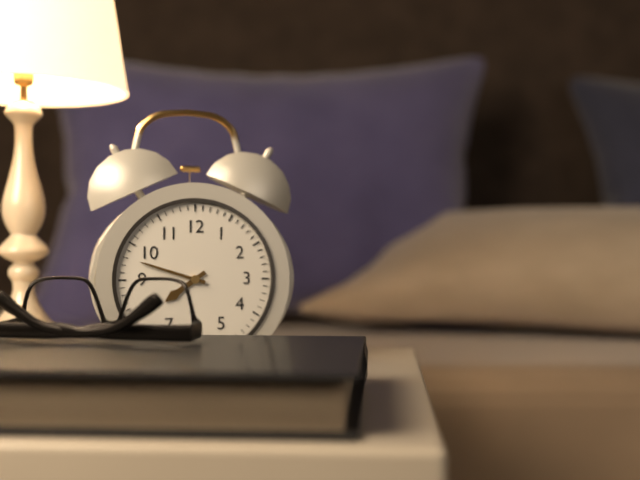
**7:48**
